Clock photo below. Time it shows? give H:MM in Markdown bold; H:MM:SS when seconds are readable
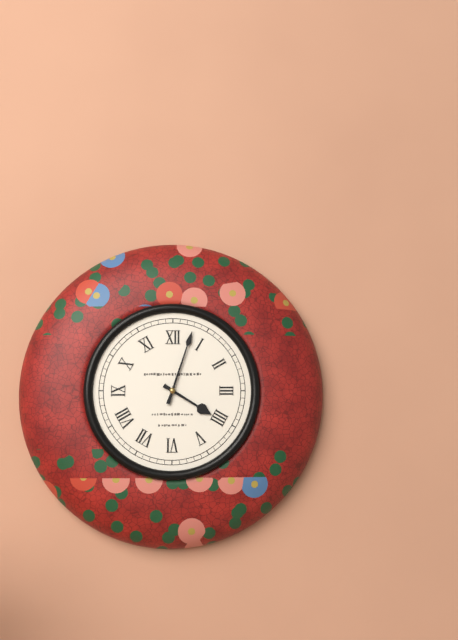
**4:03**
